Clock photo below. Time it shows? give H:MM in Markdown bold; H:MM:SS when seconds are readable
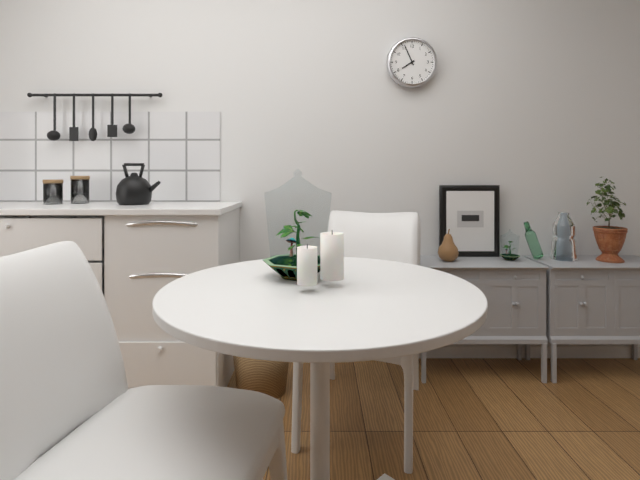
**7:56**
